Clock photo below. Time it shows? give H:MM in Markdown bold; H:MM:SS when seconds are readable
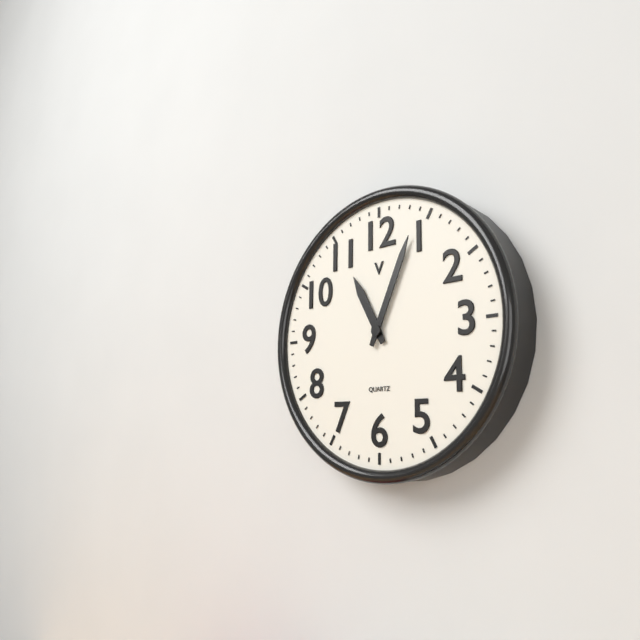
**11:04**
